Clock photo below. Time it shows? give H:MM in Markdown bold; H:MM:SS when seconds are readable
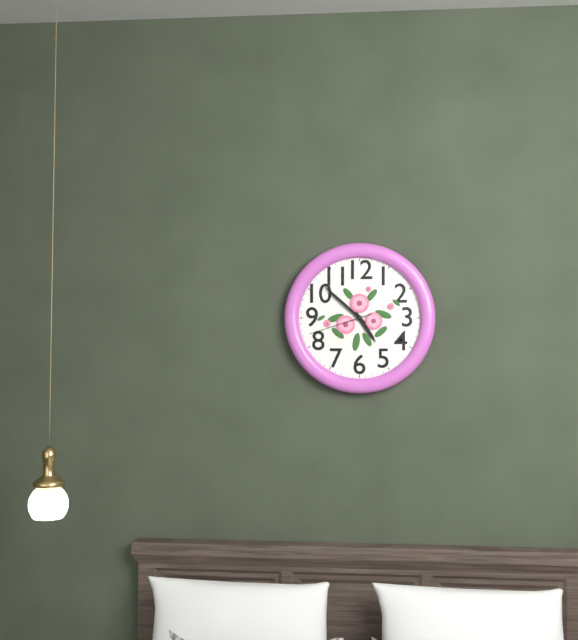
**4:52:42**
